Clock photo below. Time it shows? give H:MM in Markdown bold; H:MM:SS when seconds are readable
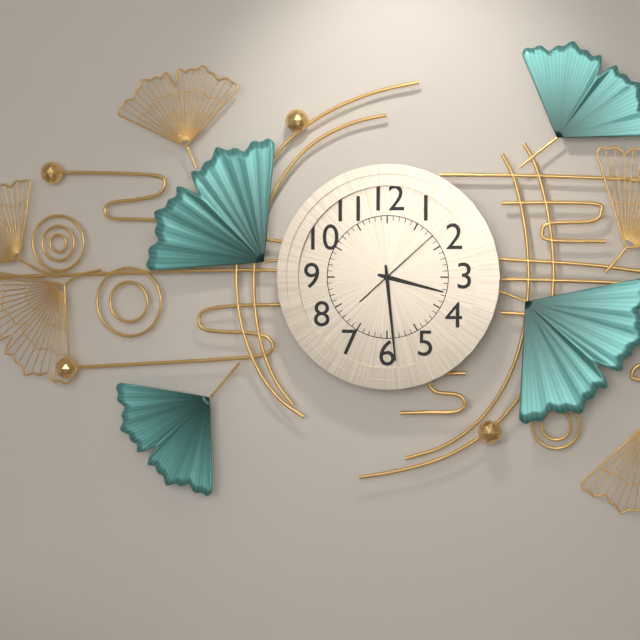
**3:29:08**
